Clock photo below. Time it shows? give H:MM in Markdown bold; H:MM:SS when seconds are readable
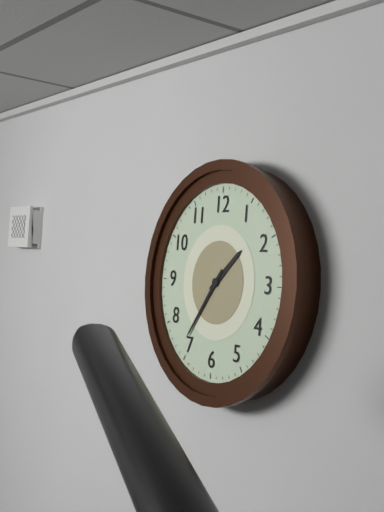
**1:36**
